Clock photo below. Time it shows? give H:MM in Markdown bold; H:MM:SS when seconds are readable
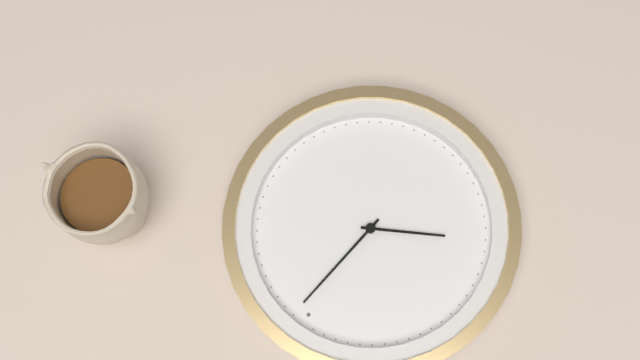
**8:01**
